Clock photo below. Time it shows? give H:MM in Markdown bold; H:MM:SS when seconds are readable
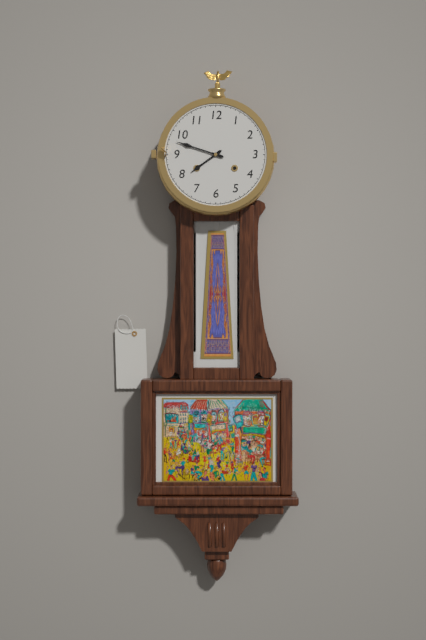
**7:48**
